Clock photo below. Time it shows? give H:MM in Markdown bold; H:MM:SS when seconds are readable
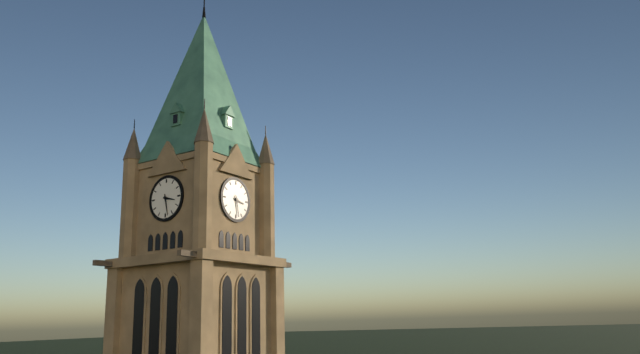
**3:28**
